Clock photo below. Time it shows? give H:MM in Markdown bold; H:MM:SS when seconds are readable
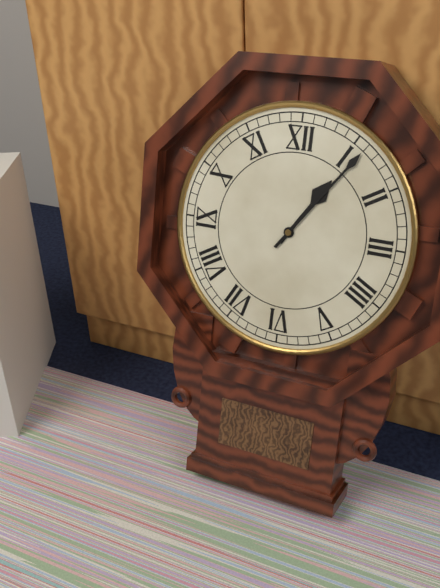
**1:06**
